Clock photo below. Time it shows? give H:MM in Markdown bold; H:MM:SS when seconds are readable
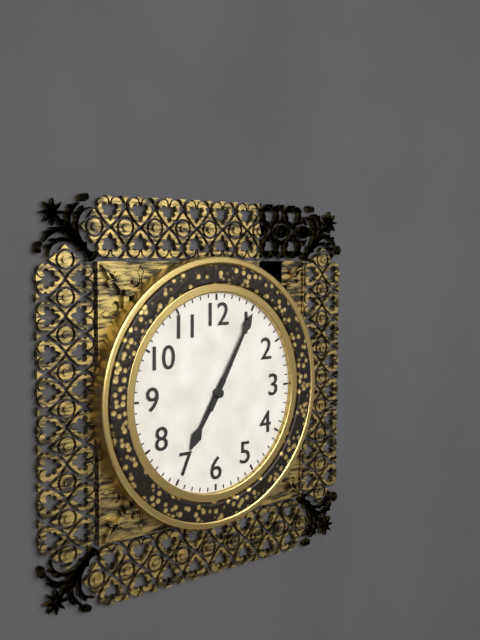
**7:05**
